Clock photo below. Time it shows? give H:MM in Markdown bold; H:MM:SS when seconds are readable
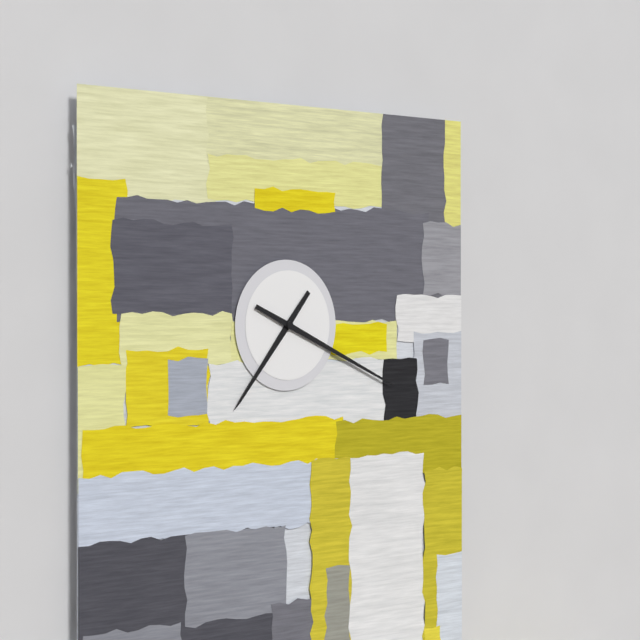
**7:19**
